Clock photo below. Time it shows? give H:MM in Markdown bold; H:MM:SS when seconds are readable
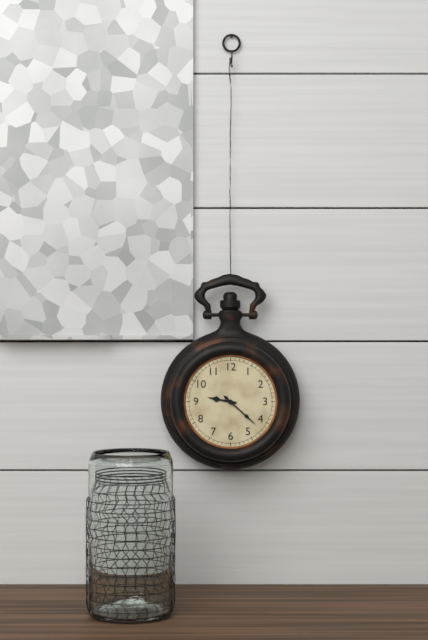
**9:22**
